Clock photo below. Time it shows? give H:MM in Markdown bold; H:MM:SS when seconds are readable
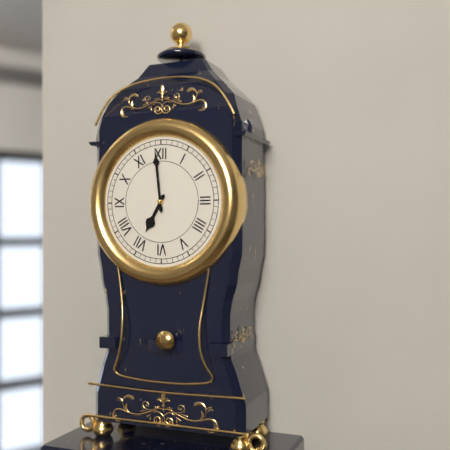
**6:59**
